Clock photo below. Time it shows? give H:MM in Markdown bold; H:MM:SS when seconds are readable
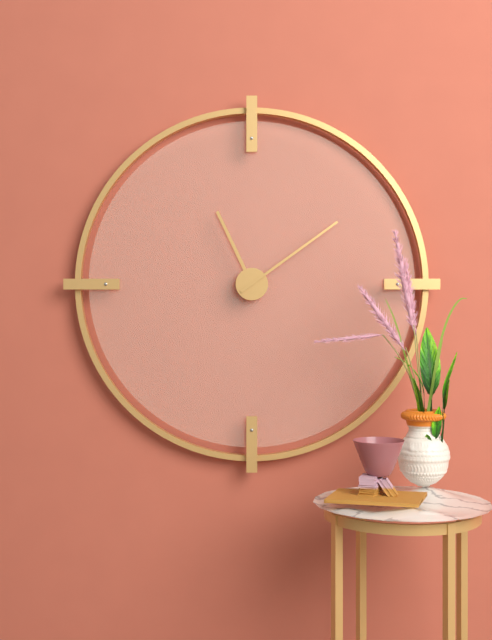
**11:09**
